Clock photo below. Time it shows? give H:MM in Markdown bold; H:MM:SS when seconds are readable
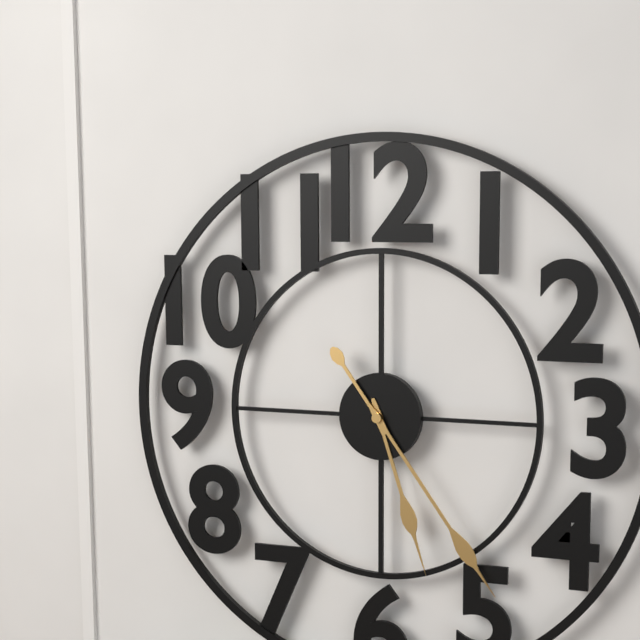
**5:24**
